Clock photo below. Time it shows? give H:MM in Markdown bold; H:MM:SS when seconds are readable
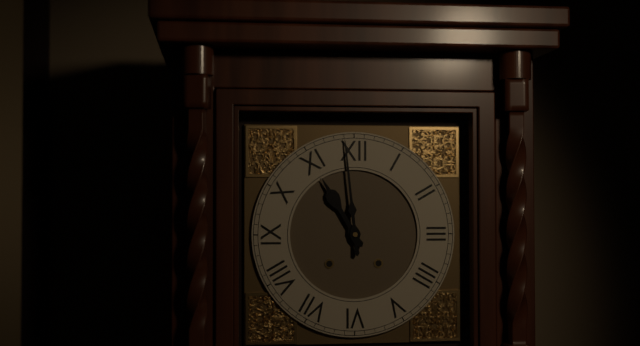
**10:59**
